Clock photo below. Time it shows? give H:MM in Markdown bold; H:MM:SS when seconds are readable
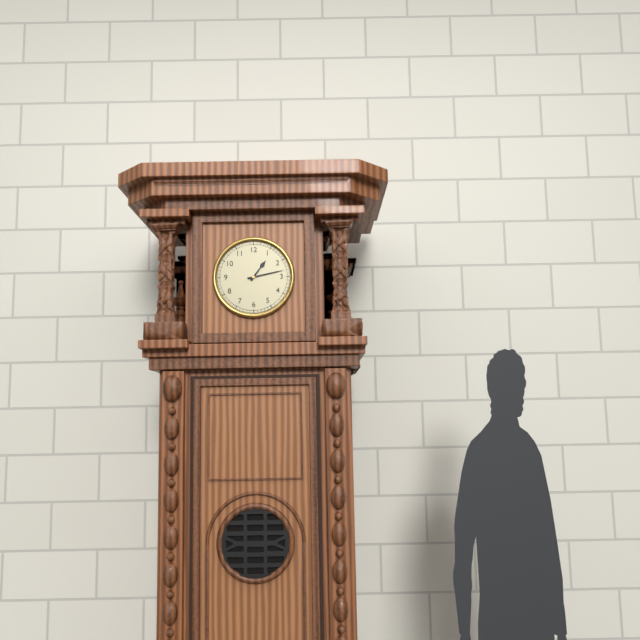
**1:13**
